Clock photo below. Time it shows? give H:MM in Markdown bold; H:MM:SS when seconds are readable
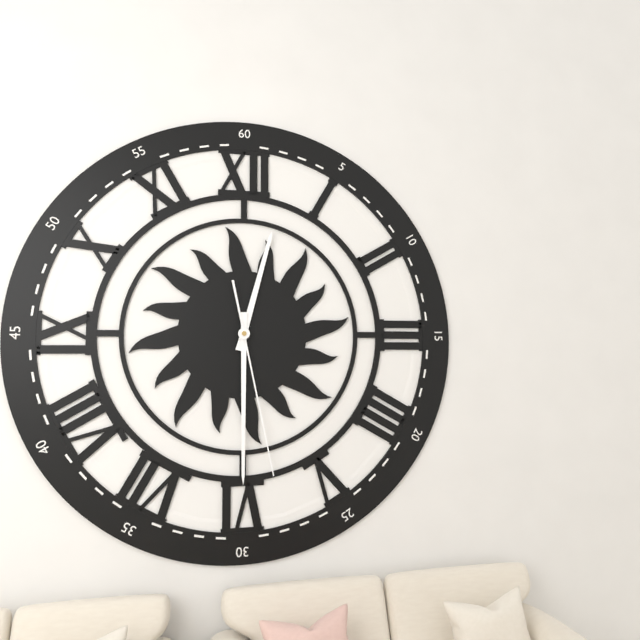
**12:30:28**
